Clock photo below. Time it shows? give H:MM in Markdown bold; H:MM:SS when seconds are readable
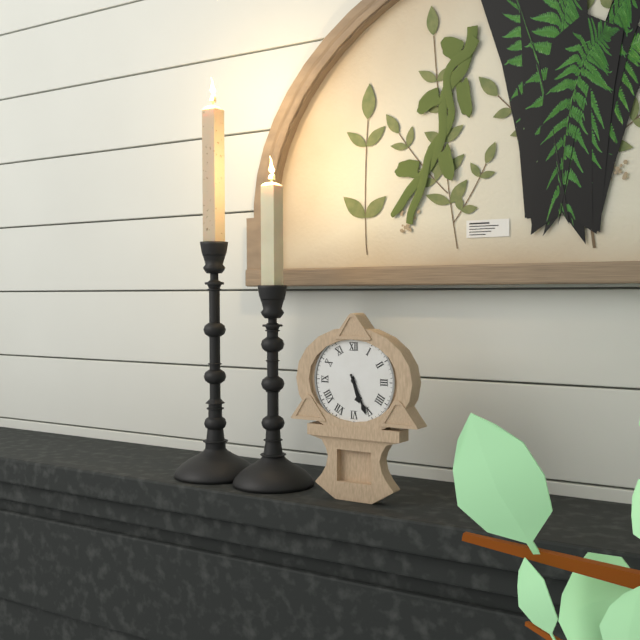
**5:26**
